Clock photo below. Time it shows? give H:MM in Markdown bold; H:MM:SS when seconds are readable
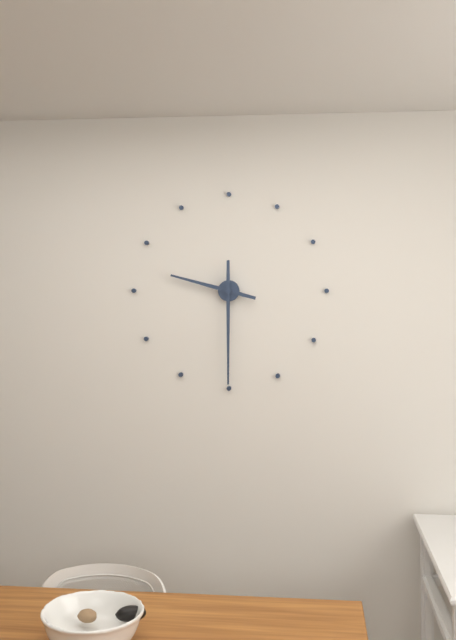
**9:30**
